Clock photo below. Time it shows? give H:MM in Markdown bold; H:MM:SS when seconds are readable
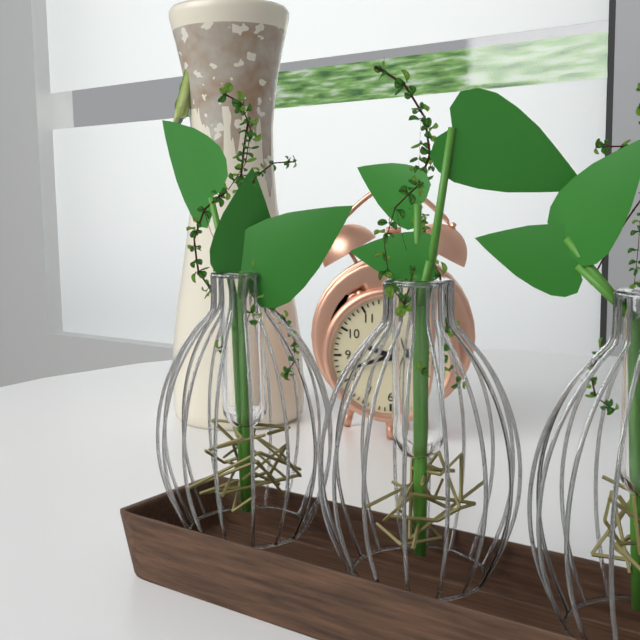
**9:42**
